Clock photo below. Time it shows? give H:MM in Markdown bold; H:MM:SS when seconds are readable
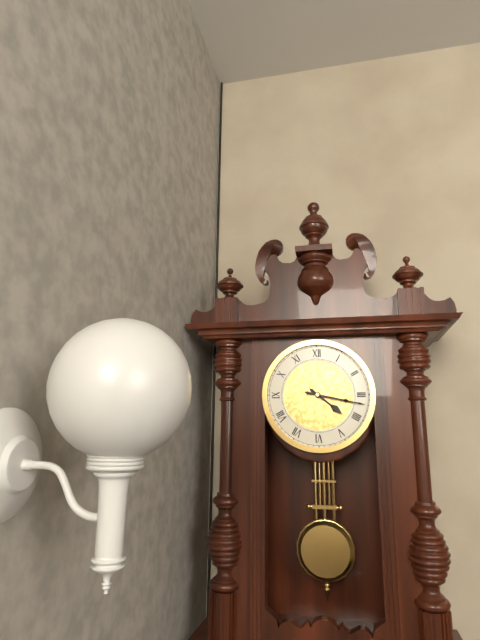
**4:17**
